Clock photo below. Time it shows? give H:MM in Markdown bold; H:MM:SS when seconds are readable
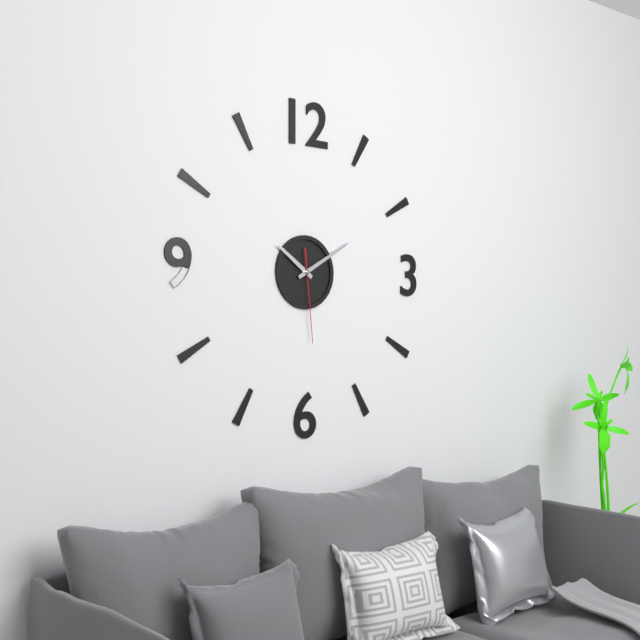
**10:10:29**
